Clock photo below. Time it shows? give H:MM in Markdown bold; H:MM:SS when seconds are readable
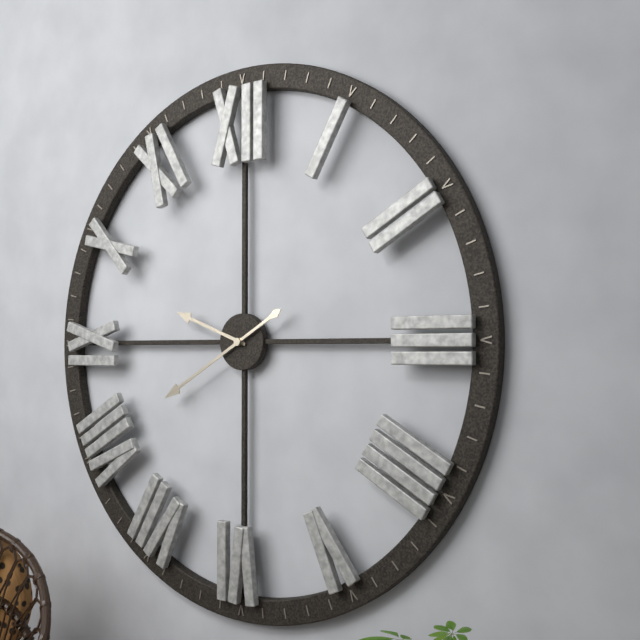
**9:40**
